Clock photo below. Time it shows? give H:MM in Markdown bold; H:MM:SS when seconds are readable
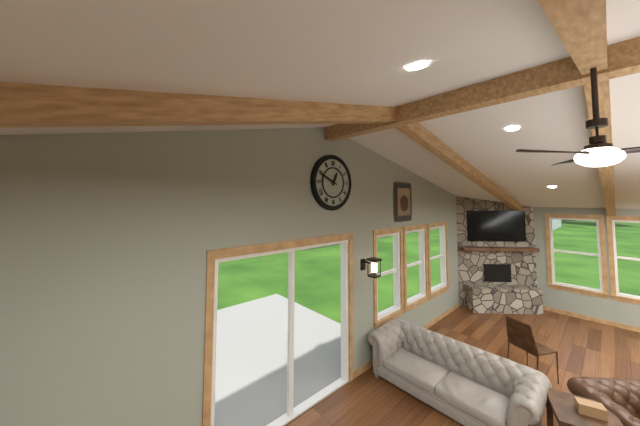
**12:49**
